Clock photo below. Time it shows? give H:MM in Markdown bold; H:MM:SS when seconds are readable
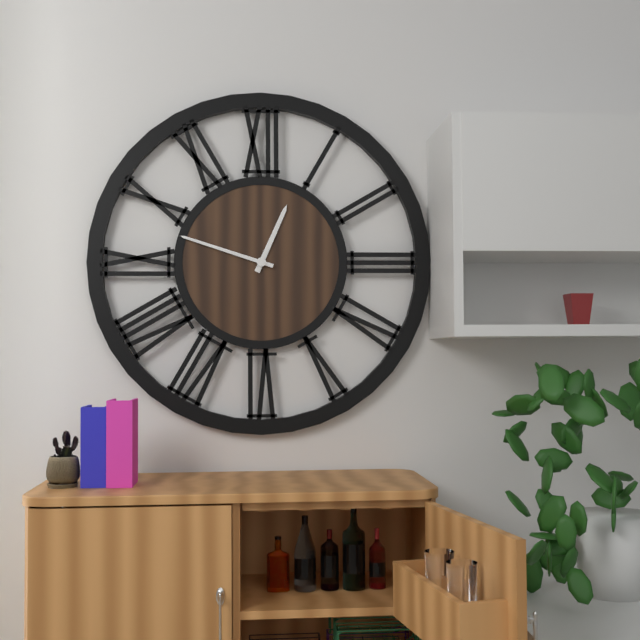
**12:48**
